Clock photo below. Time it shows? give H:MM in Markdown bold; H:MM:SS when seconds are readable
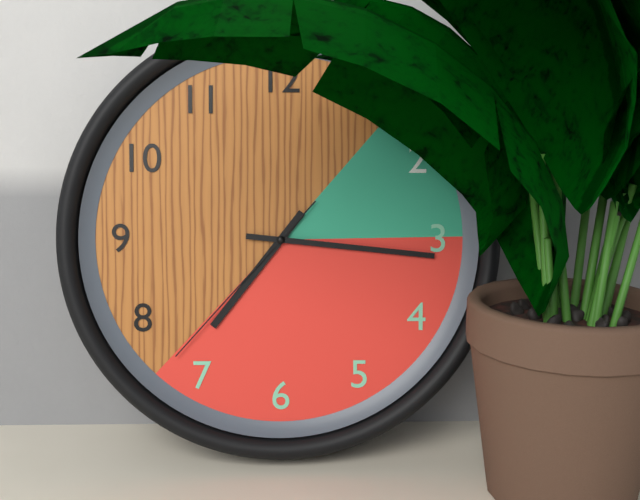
**7:16:37**
